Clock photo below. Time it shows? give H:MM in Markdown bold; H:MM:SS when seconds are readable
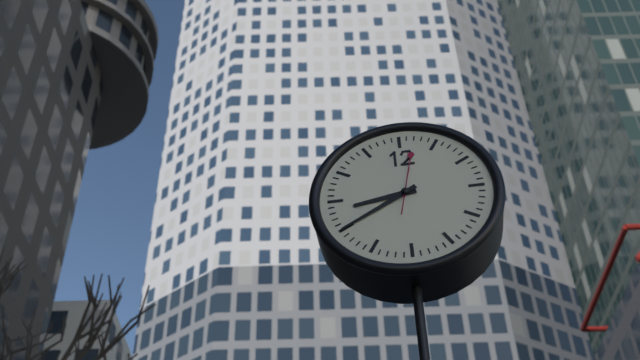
**8:40:02**
